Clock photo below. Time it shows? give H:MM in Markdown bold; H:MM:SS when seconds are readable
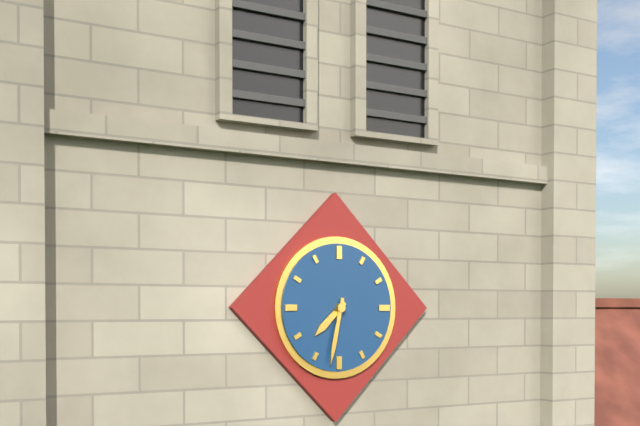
**7:32**
